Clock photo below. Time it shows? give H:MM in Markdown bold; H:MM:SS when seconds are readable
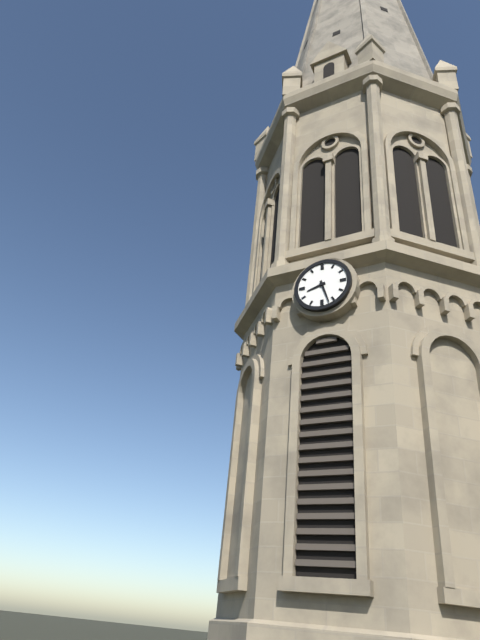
**8:27**
